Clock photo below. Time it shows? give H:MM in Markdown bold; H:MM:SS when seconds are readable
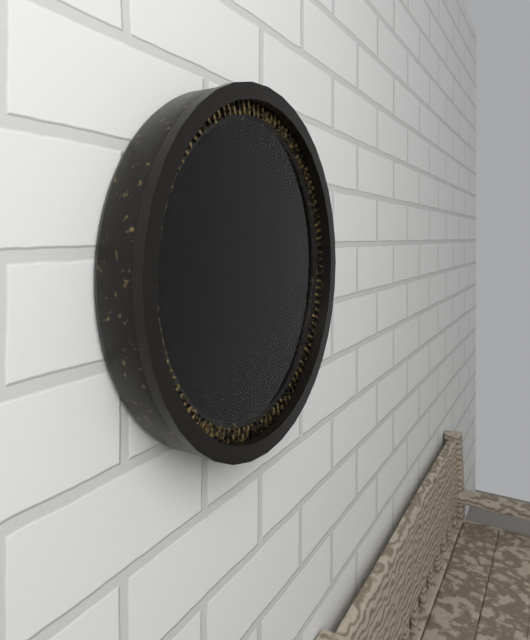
**12:04**
